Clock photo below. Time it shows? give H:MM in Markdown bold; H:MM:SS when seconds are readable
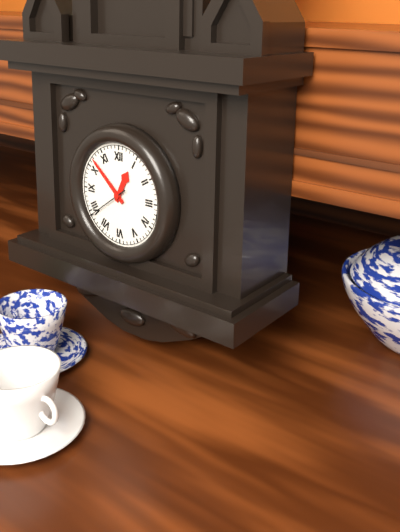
**12:52:39**
